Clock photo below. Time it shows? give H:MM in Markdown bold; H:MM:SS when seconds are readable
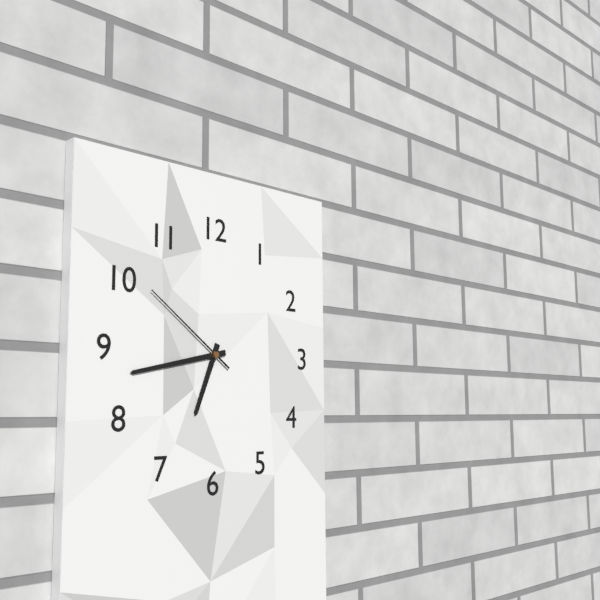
**6:43:51**
